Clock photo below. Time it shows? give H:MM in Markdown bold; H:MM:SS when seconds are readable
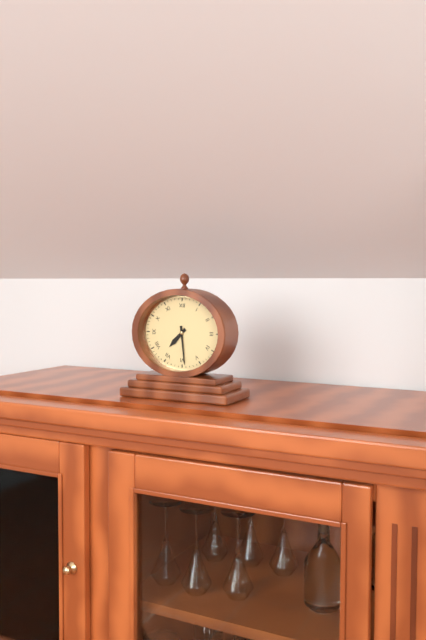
**7:29**
